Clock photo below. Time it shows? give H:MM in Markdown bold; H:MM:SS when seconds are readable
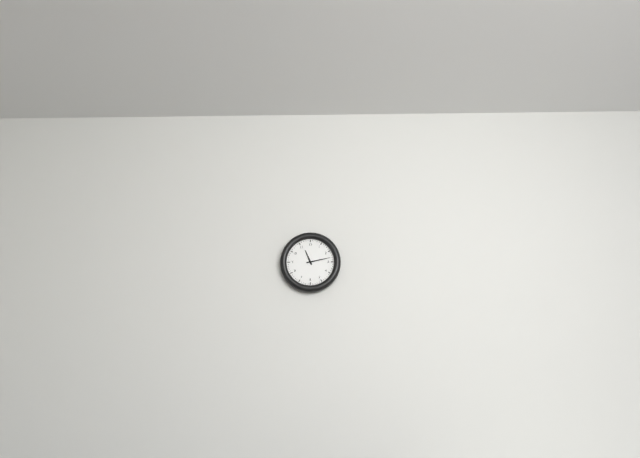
**11:13**
